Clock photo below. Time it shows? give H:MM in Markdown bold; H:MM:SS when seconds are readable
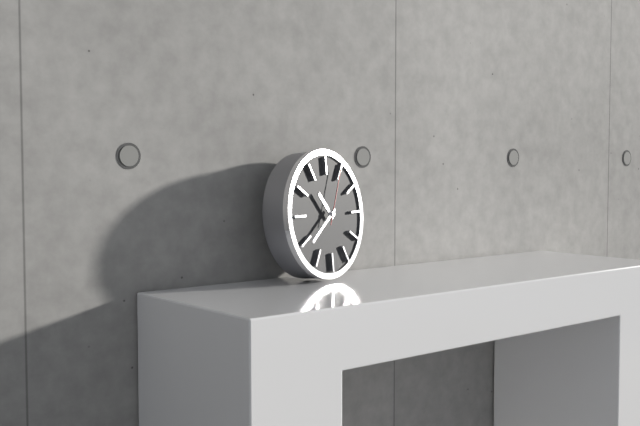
**10:39:04**
